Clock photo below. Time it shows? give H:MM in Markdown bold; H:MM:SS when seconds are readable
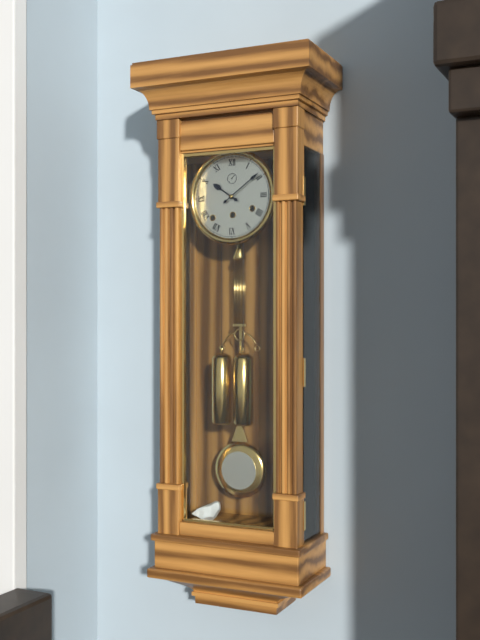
**10:09**
